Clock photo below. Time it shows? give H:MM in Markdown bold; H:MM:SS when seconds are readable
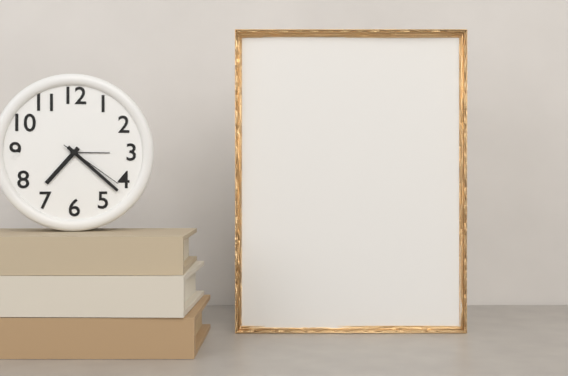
**7:22:21**
